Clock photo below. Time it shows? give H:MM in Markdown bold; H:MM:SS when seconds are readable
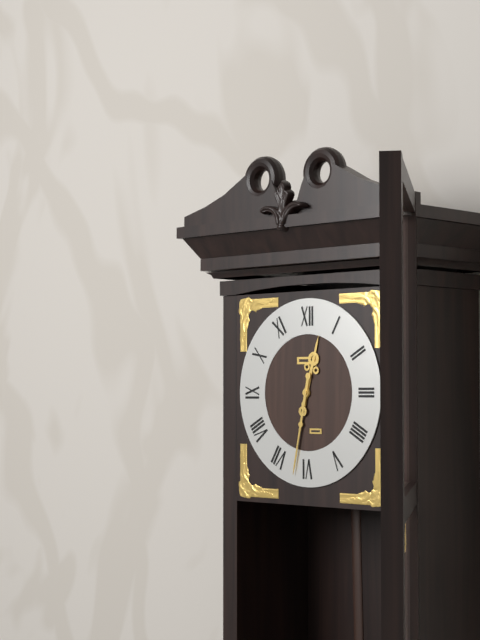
**12:32**
